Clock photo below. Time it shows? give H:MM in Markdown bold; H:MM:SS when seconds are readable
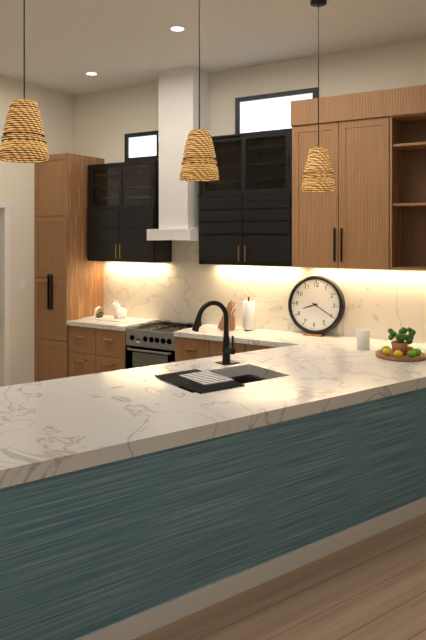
**8:20**
